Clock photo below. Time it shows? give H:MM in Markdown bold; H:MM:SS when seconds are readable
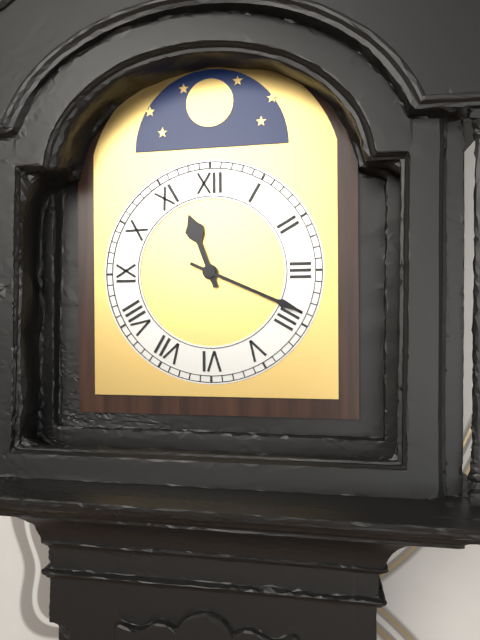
**11:19**
